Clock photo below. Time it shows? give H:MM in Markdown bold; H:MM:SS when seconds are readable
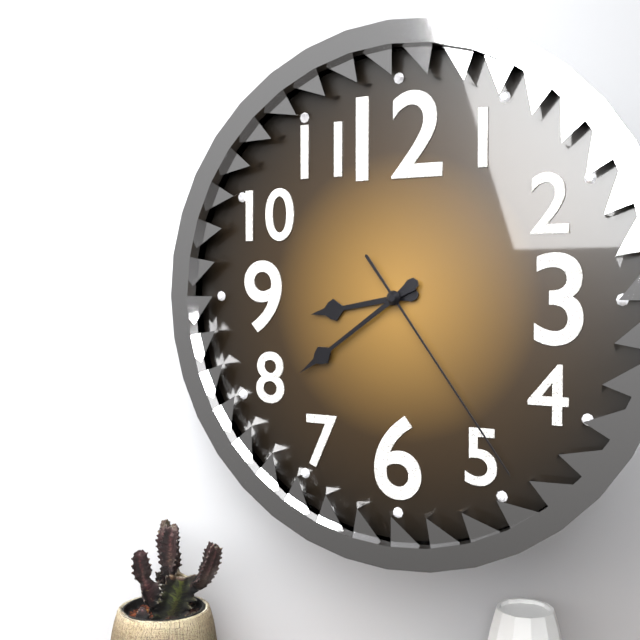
**8:39:24**
